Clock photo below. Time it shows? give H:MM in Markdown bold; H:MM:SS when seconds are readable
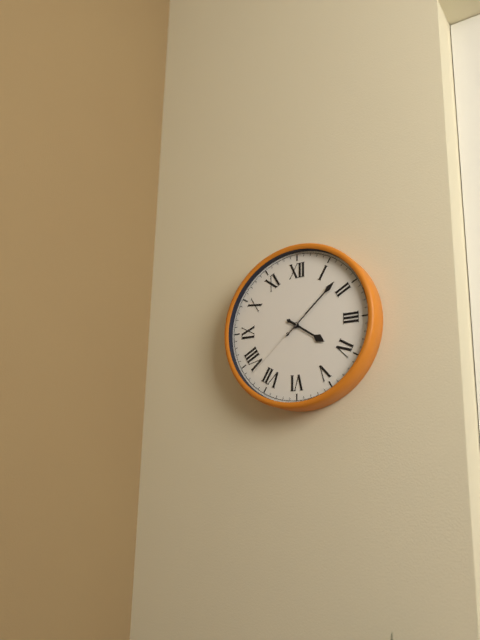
**4:08:38**
